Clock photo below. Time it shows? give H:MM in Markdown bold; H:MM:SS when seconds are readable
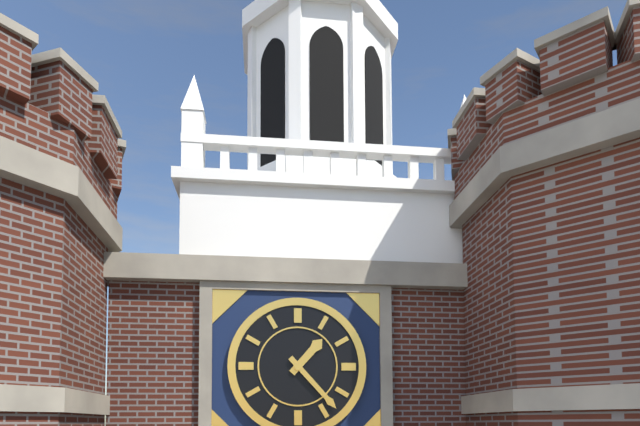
**1:23**
